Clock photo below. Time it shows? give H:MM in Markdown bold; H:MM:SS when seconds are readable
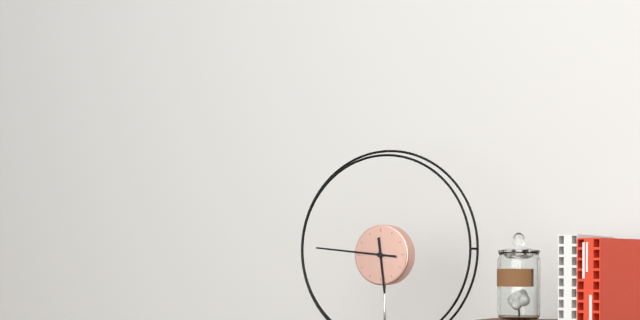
**5:46**
